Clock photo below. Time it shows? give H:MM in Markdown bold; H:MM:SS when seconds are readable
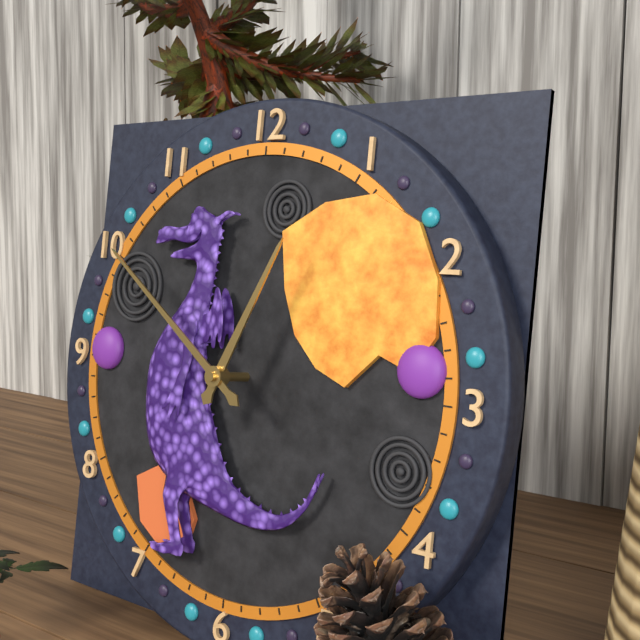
**12:51**
